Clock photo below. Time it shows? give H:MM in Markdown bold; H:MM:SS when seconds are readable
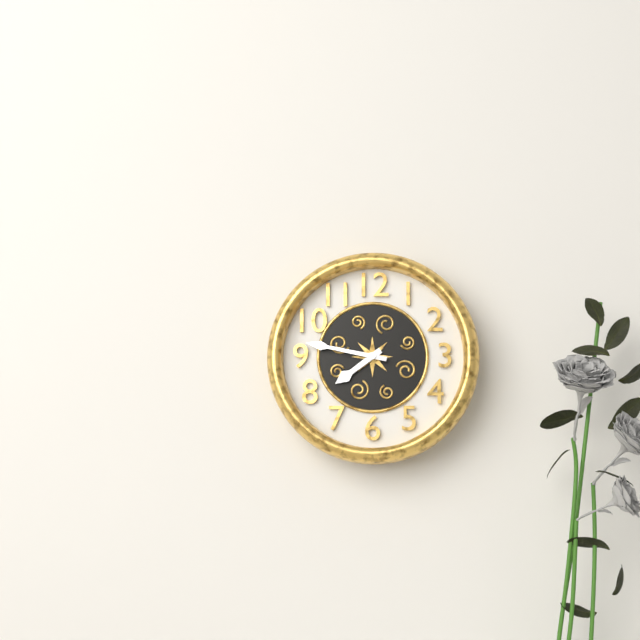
**7:47**
